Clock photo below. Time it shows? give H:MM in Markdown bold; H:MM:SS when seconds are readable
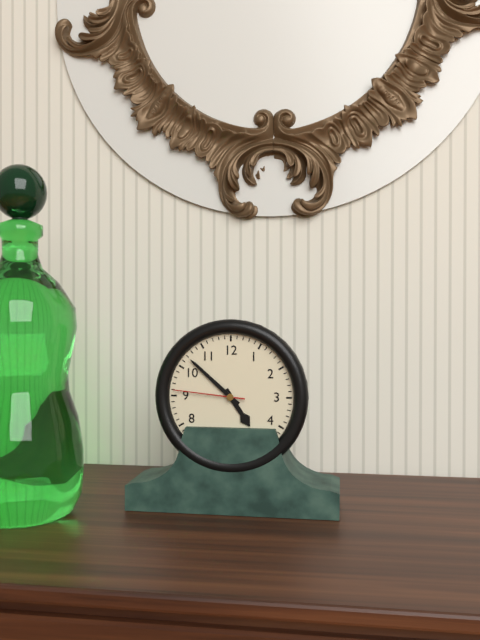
**4:52:46**
